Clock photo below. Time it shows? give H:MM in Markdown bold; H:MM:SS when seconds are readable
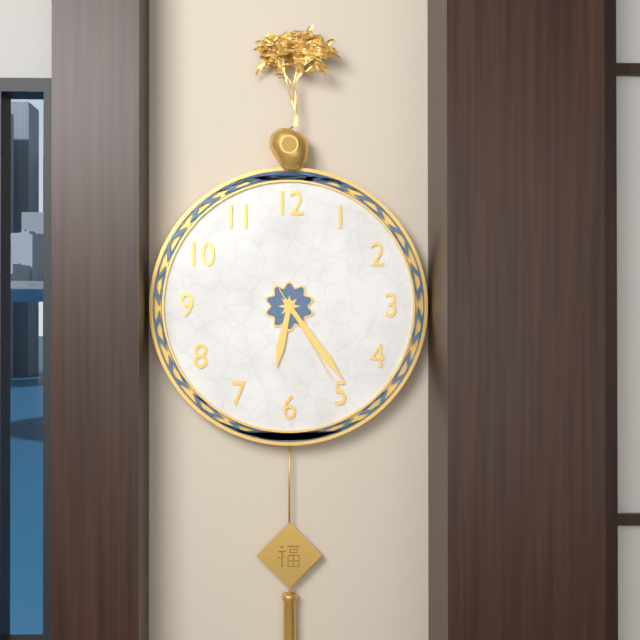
**6:24:25**
